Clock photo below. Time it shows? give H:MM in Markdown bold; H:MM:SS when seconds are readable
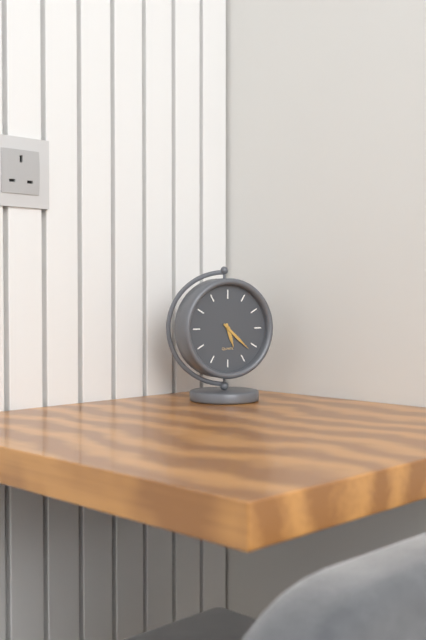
**5:22**
